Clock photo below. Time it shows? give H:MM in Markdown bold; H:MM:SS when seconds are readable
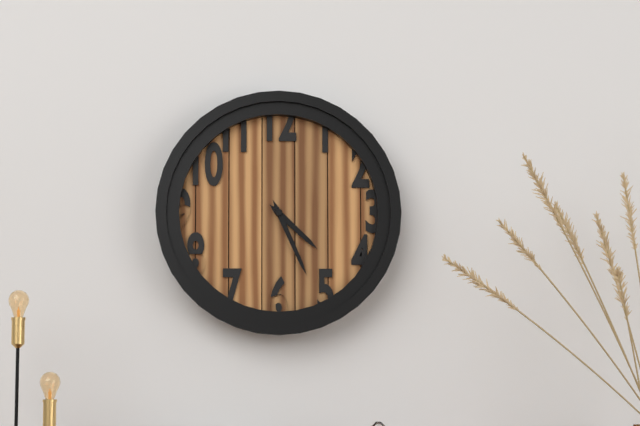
**4:26**
